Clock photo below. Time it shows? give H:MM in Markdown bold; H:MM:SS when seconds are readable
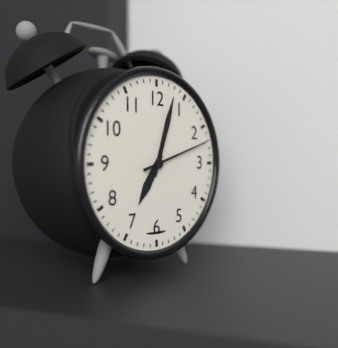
**7:03:12**
